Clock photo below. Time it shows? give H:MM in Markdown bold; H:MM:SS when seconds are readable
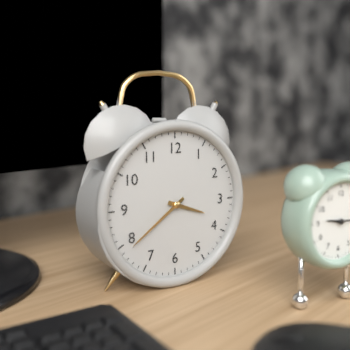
**3:39**
